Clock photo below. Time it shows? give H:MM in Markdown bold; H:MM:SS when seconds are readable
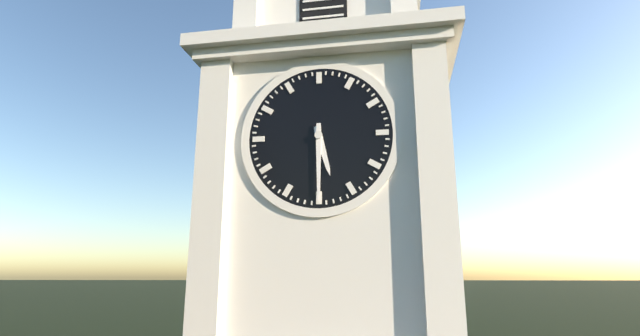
**5:30**
